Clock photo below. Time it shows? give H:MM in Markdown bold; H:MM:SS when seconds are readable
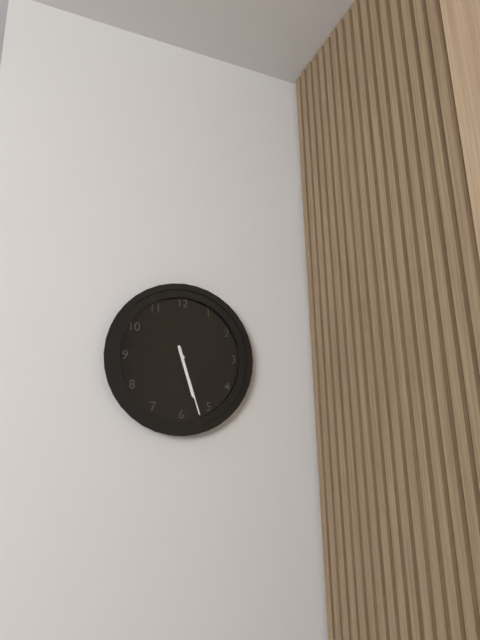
**5:27**
